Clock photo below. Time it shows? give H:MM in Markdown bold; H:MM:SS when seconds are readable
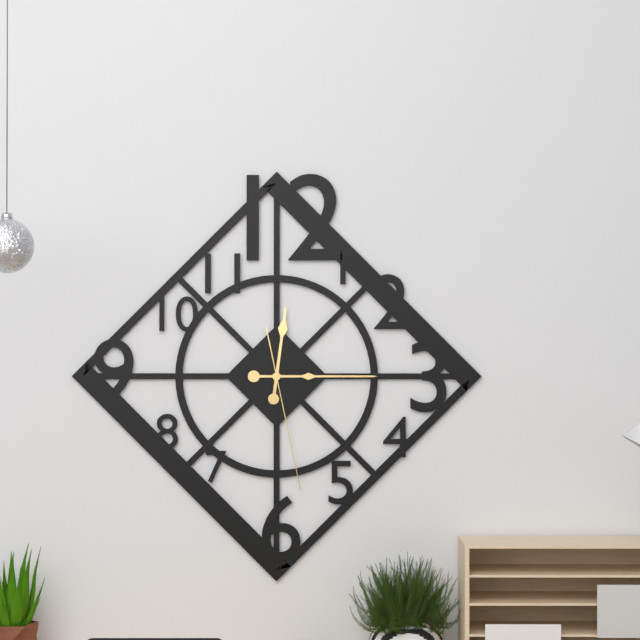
**12:15:28**
